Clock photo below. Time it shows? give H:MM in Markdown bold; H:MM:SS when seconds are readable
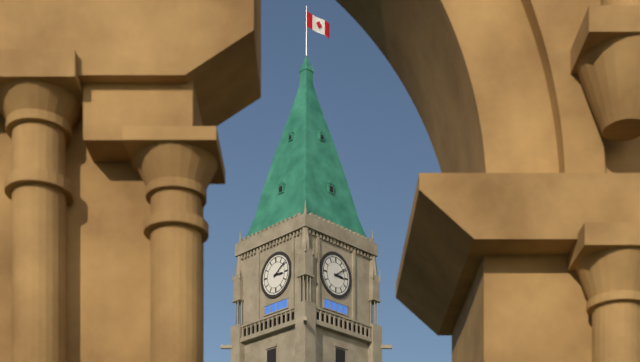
**3:09**
